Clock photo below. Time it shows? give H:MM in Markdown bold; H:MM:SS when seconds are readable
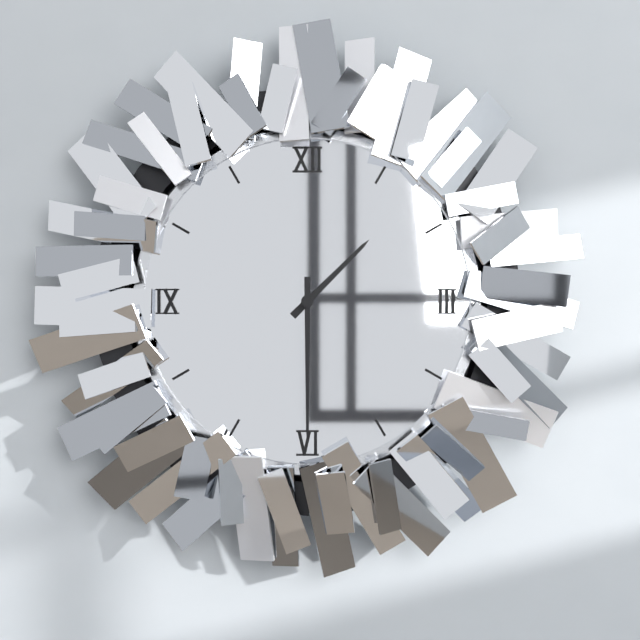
**1:30**
